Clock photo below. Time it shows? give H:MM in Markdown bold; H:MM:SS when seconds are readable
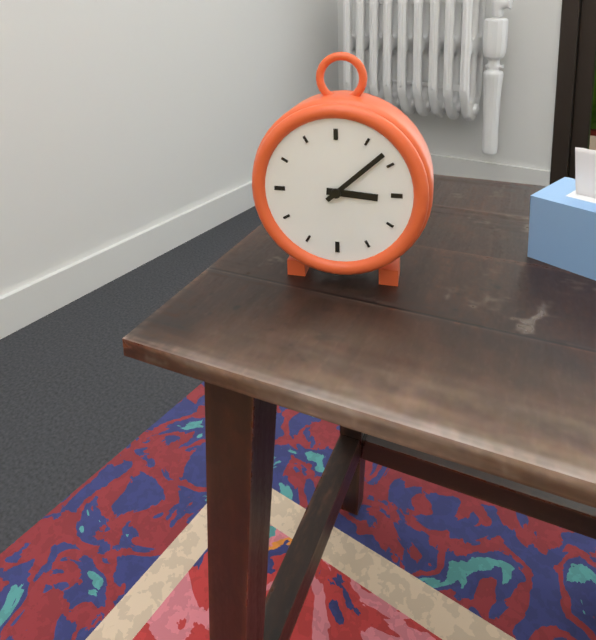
**3:08**
